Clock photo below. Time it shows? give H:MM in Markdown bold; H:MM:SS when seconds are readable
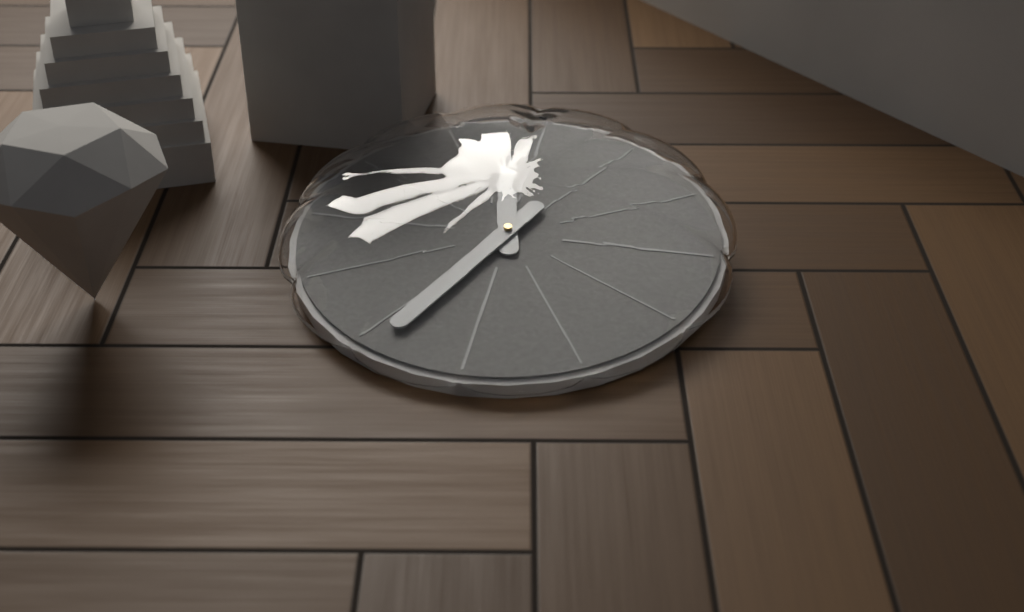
**11:34**
